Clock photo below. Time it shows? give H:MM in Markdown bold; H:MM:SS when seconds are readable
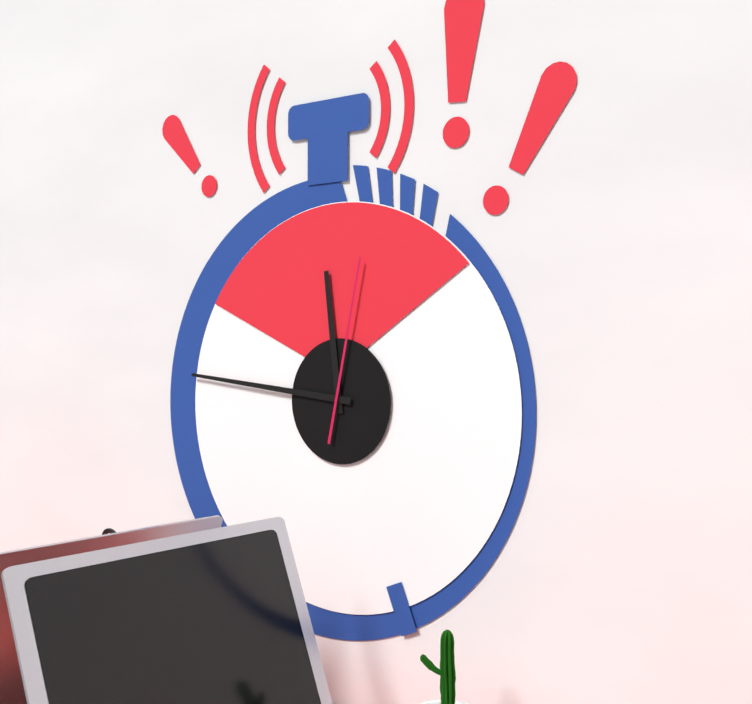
**11:46:02**
